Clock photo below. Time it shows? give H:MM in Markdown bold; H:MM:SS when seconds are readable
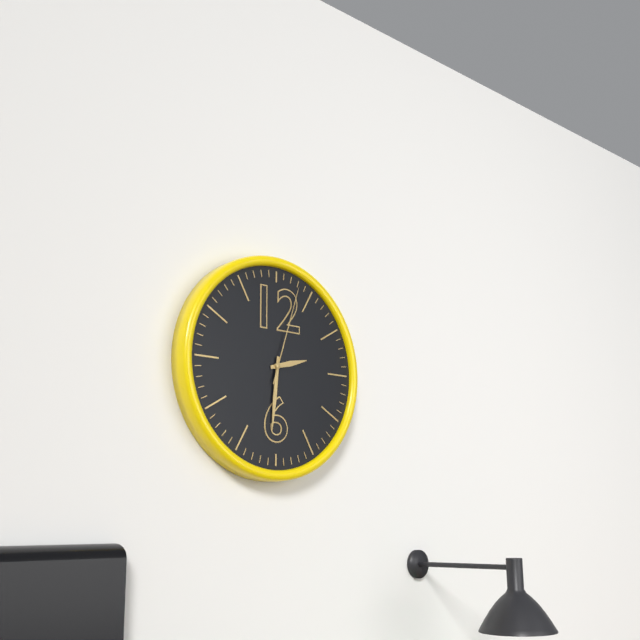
**2:31:03**
